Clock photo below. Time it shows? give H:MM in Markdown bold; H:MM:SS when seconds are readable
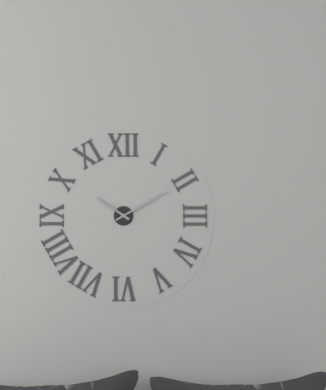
**10:10**
